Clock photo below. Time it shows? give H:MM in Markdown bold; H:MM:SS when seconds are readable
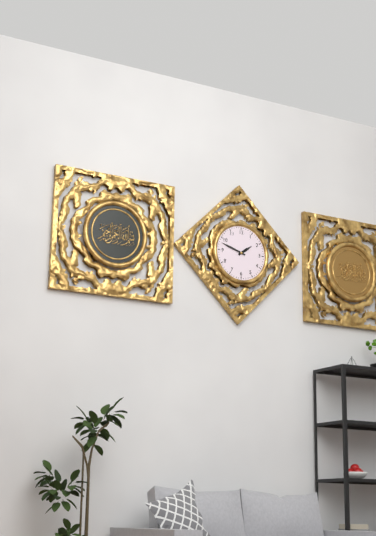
**1:48**
